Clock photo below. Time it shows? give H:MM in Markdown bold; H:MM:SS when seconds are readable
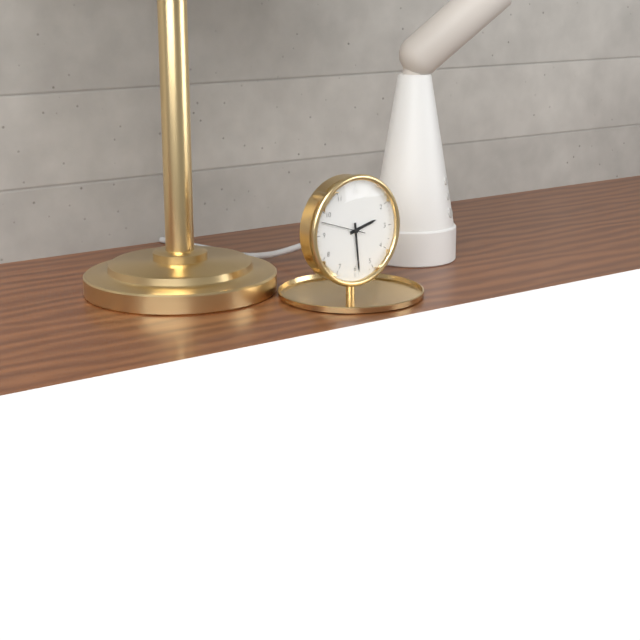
**2:29**
